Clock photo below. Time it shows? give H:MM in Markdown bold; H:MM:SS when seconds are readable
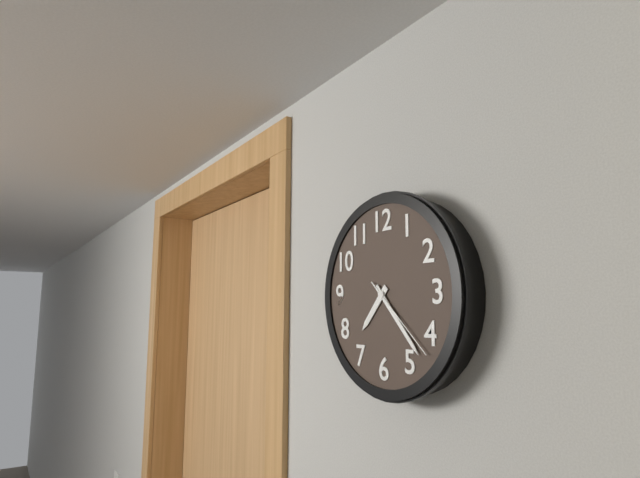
**7:23:22**
